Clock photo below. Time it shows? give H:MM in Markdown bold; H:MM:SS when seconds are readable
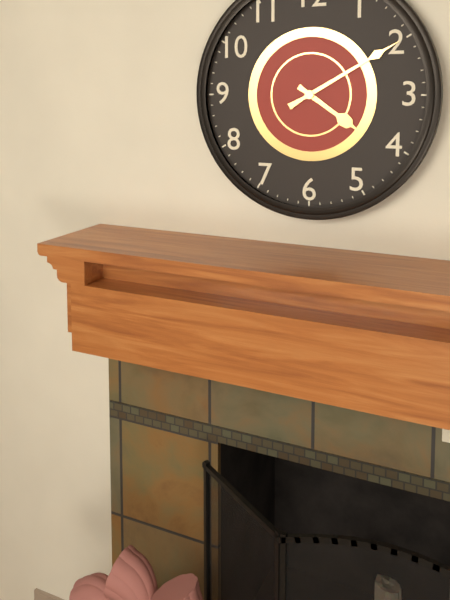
**4:10**
